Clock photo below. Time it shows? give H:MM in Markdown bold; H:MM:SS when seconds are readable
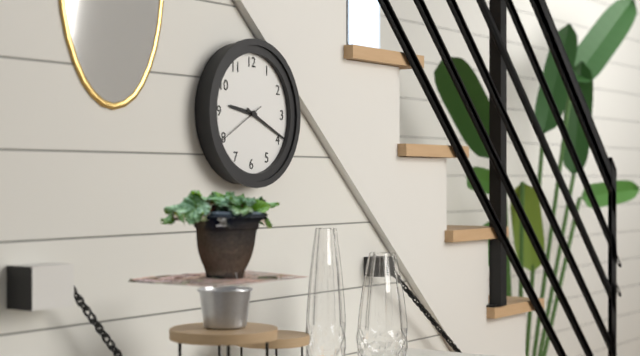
**9:19:40**
